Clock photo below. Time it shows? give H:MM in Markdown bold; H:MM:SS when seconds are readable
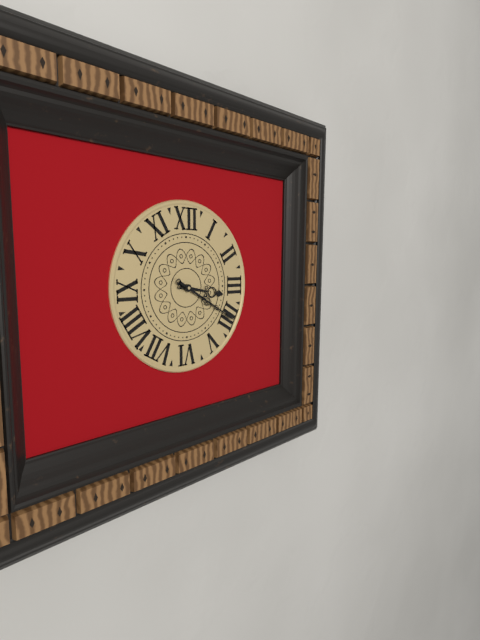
**3:20**
